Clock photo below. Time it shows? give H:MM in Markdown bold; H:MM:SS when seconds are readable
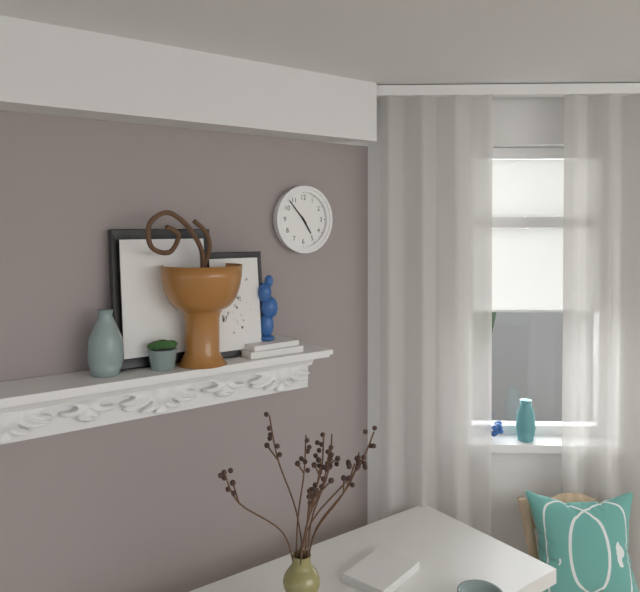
**4:53**
